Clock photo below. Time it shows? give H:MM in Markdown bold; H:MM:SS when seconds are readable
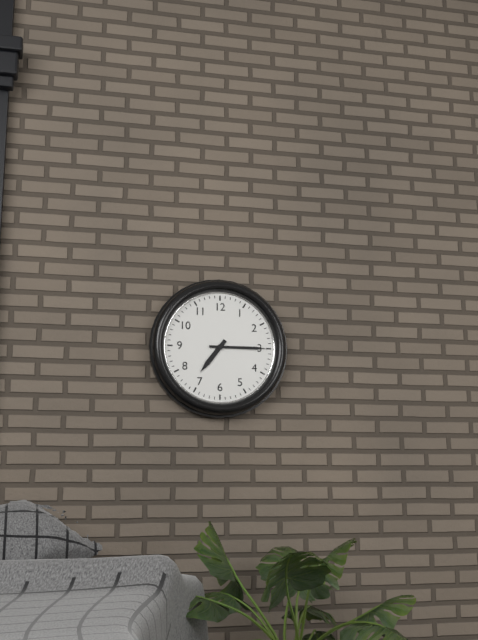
**7:15**
